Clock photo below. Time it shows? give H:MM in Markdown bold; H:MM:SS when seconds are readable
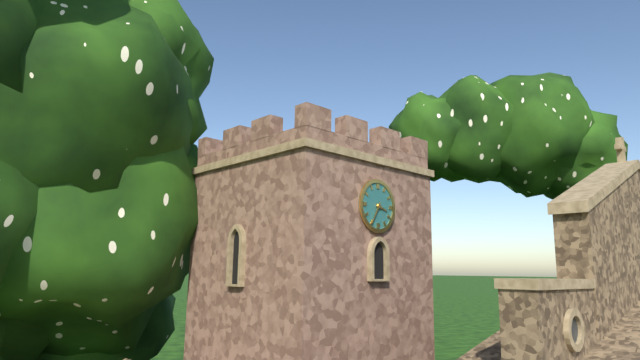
**3:35**
